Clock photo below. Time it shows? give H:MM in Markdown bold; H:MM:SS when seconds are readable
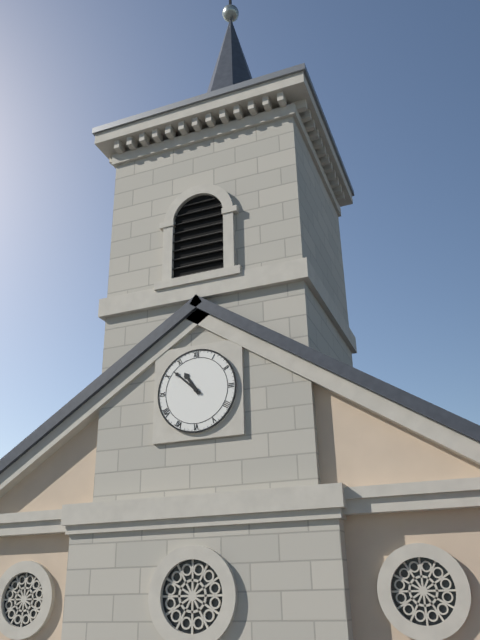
**10:52**
